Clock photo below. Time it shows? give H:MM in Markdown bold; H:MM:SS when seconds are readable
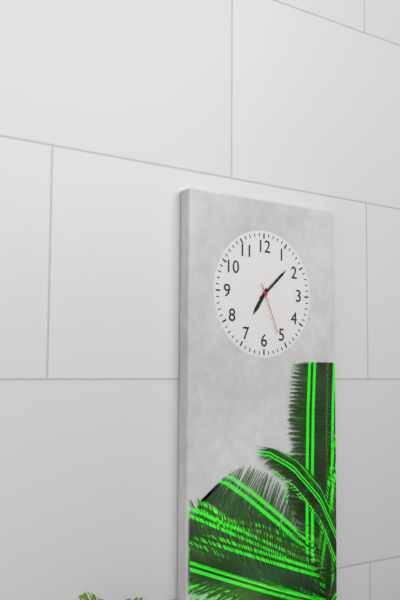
**7:08:26**
